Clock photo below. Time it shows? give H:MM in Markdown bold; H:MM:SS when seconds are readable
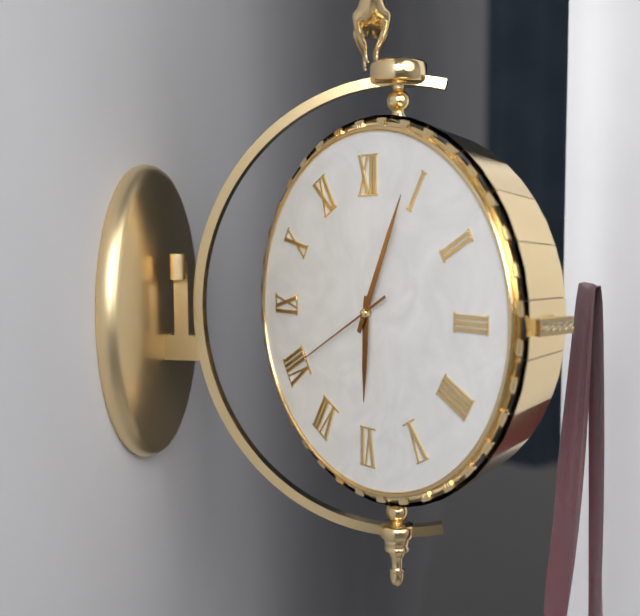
**6:04:40**
